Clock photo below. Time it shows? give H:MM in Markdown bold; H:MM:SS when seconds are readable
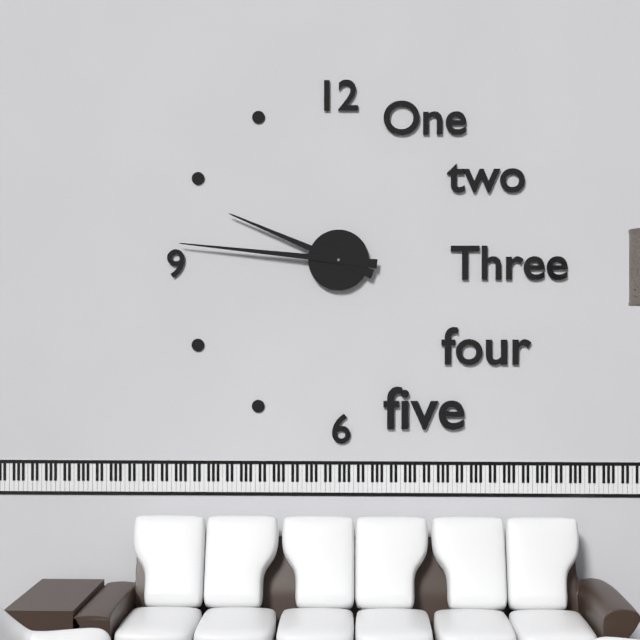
**9:46**
